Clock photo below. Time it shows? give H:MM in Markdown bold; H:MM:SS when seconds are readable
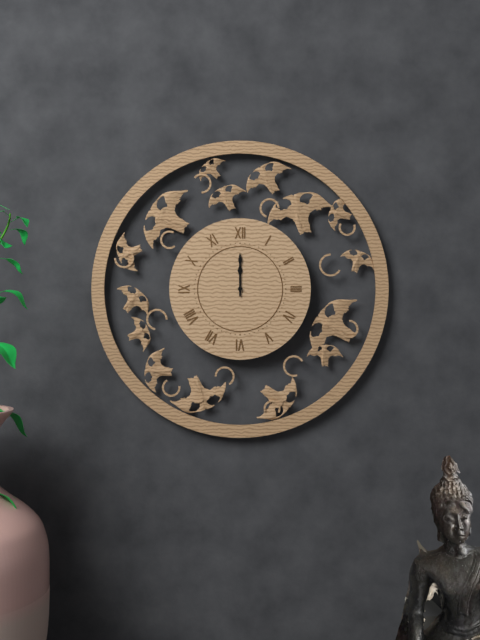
**12:00**
